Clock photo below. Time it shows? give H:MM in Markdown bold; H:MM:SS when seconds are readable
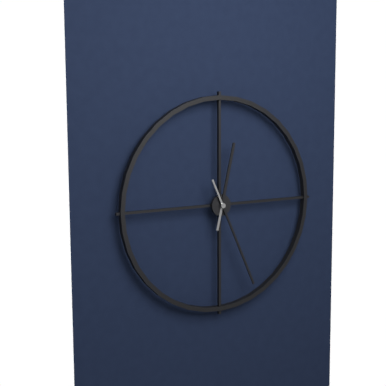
**12:26**
